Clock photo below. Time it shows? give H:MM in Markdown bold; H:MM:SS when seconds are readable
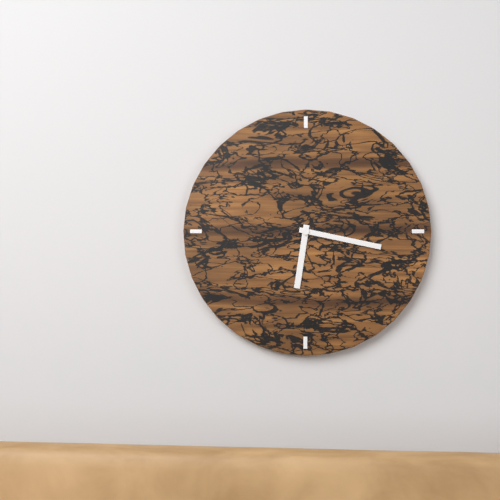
**6:17**
